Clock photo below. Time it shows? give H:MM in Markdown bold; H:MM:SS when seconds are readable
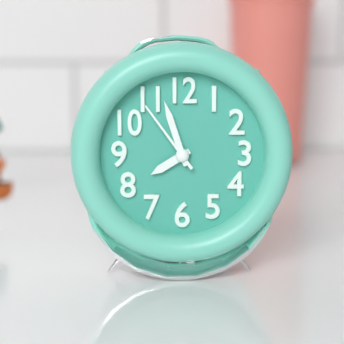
**7:57:54**
